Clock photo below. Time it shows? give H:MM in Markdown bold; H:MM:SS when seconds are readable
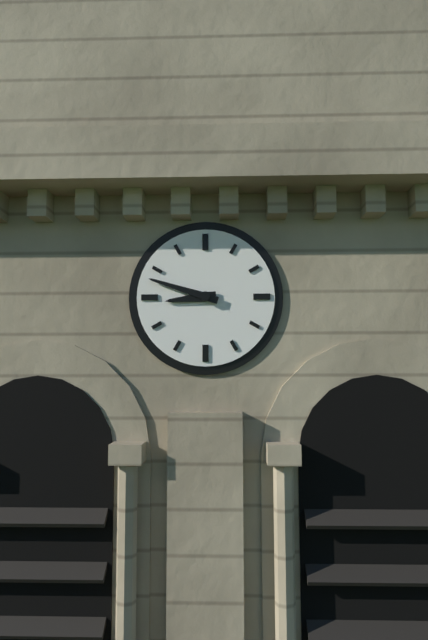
**8:48**
